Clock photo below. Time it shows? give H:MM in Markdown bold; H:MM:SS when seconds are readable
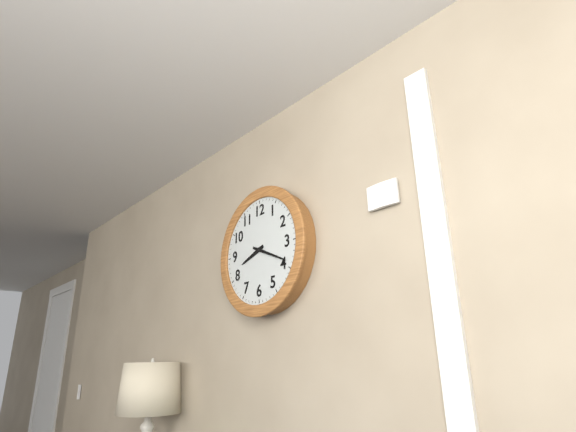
**8:19**
